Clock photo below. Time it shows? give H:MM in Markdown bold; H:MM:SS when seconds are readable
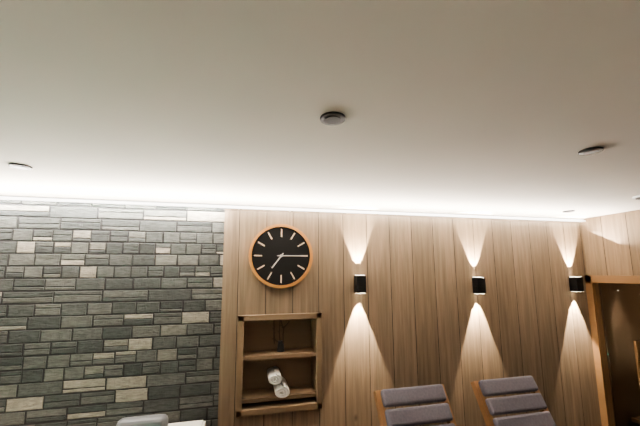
**7:15**
